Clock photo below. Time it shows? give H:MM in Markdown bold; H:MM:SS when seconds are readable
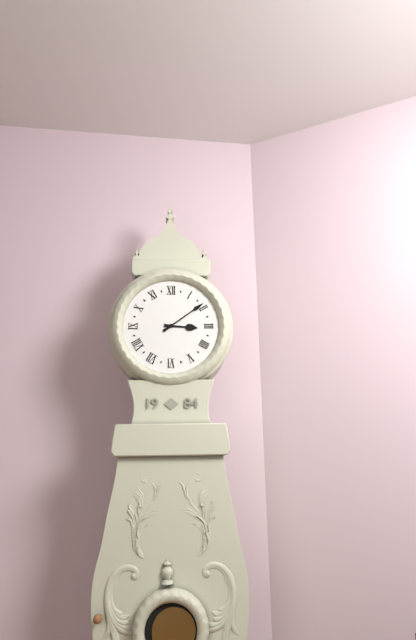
**3:09**
